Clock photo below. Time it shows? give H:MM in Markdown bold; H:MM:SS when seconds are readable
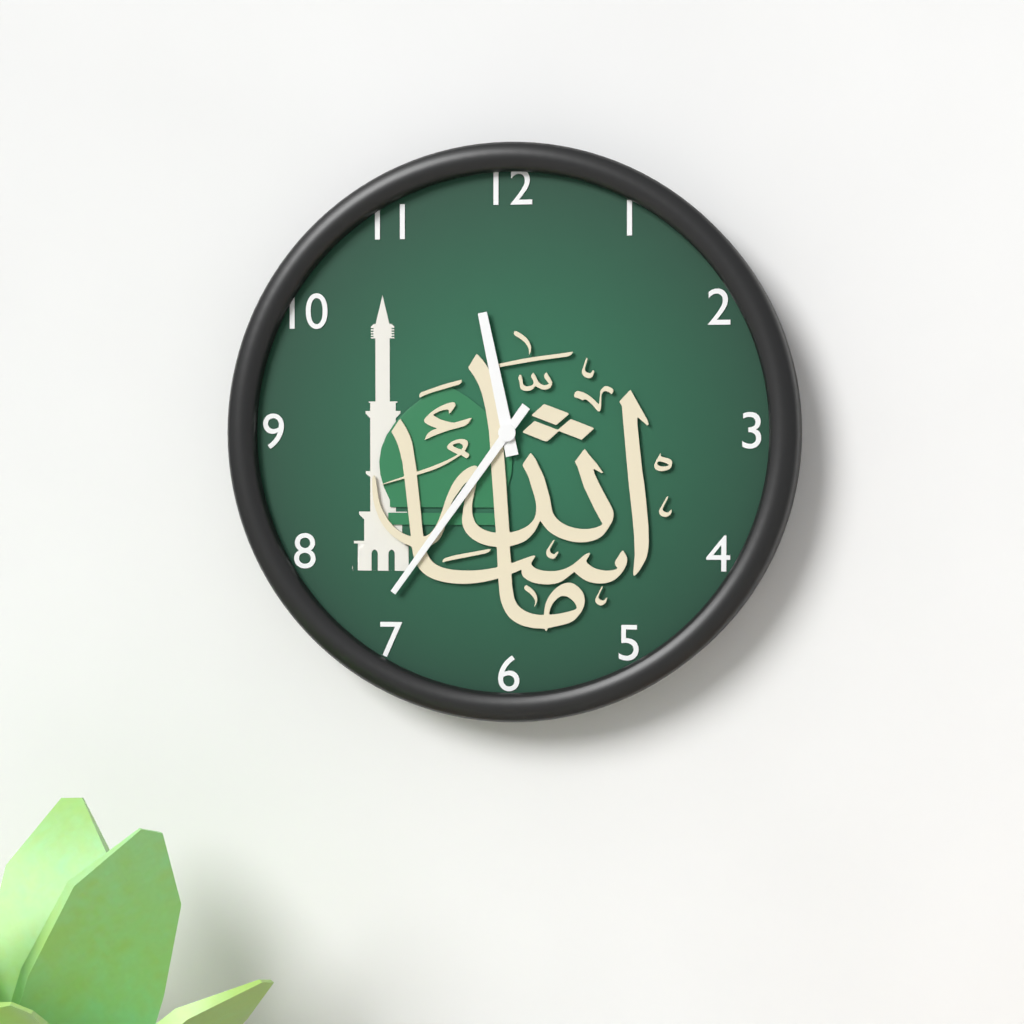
**11:36**
